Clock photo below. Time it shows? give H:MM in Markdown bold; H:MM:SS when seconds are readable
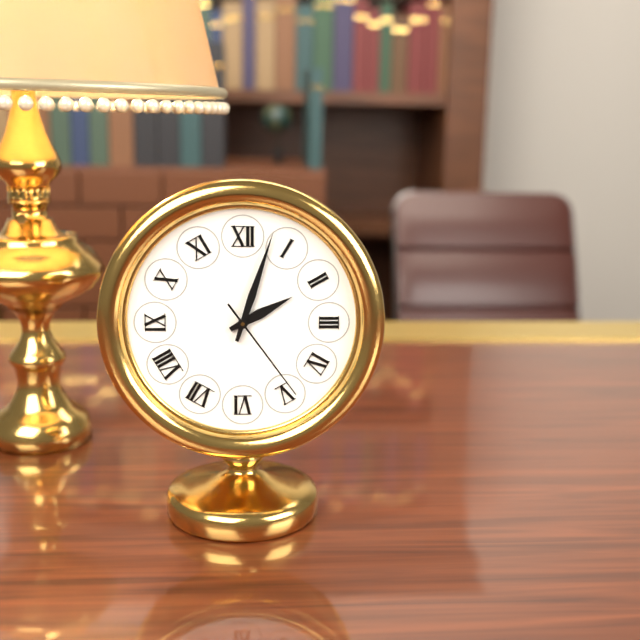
**2:03:24**
